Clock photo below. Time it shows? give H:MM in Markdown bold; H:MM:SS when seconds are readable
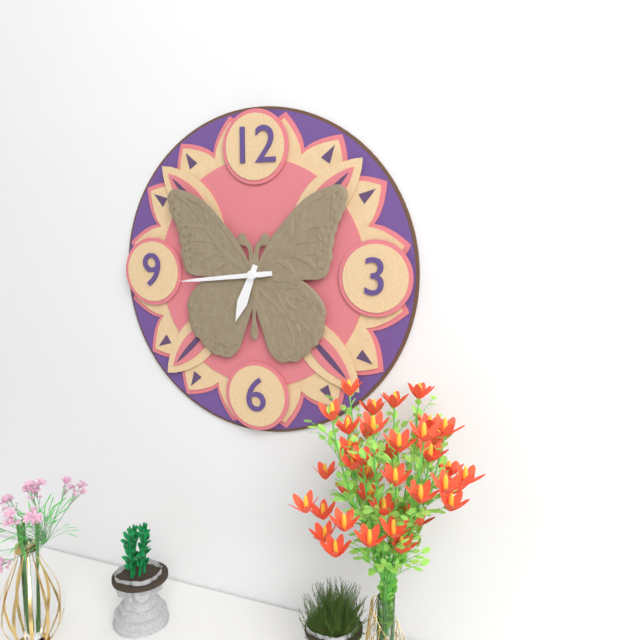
**6:44**
